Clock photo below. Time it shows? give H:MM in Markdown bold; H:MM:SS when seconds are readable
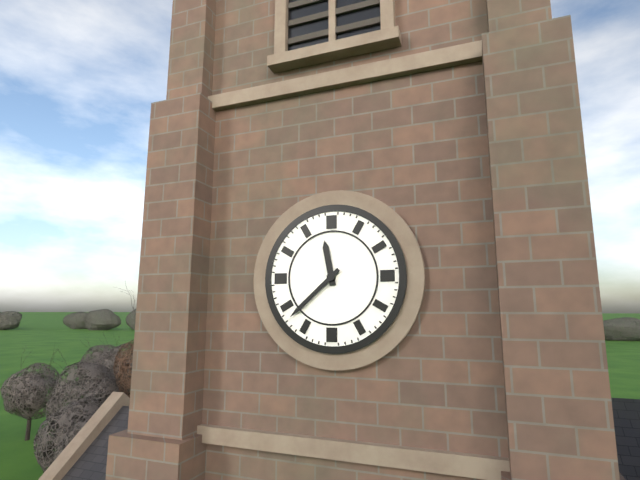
**11:38**
